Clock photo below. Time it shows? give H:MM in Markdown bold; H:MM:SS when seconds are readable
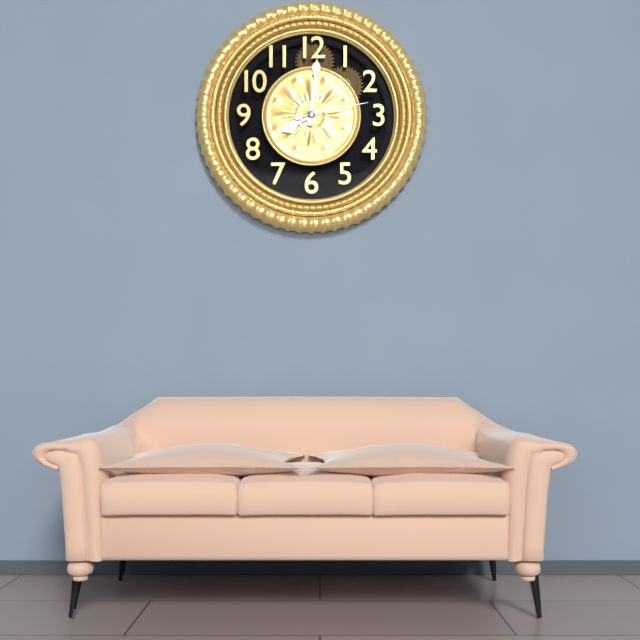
**8:01:13**
